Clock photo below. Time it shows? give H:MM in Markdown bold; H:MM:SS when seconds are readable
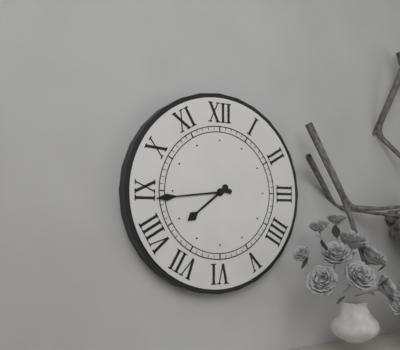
**7:44**
